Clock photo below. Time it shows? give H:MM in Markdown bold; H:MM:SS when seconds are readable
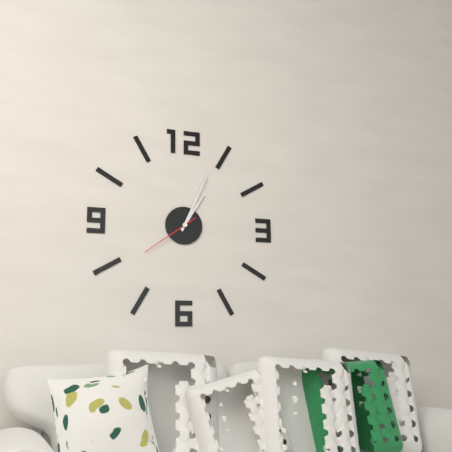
**1:04:39**
